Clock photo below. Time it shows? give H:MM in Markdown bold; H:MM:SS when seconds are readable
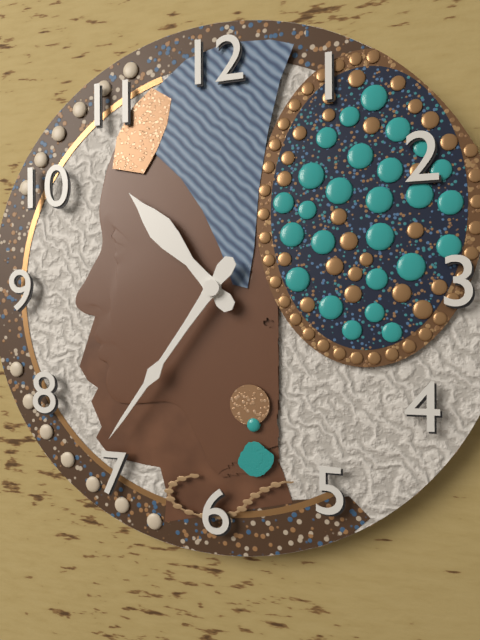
**10:36**
